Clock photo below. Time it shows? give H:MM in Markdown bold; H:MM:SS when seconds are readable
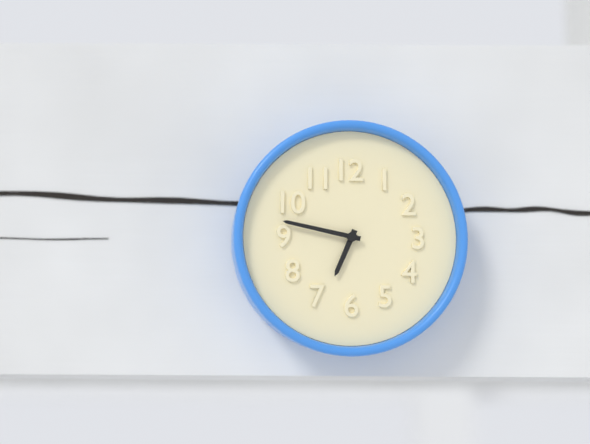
**6:47**
